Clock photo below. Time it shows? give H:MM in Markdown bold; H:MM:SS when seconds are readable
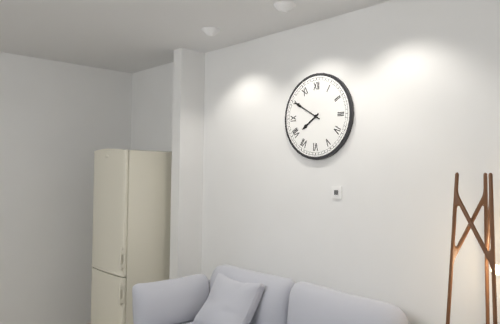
**7:50**
